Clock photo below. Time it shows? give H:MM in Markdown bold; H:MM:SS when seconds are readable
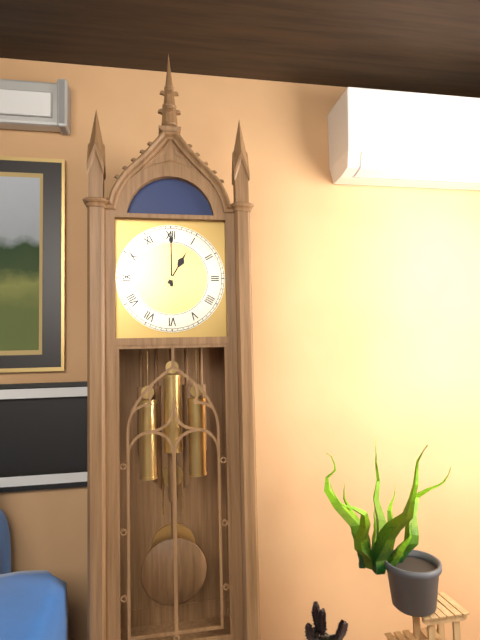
**1:00**
